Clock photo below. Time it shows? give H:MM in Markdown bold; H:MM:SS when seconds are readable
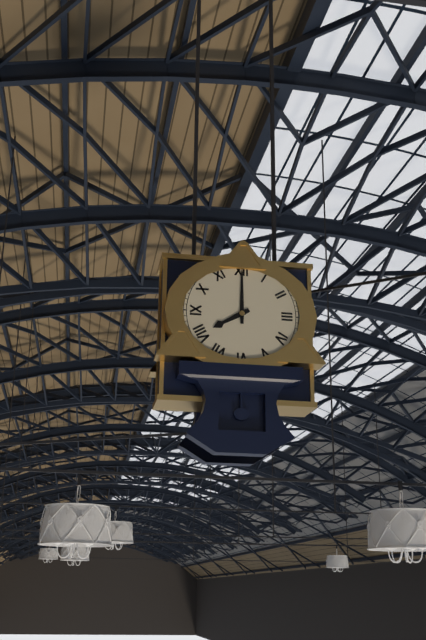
**8:00**
